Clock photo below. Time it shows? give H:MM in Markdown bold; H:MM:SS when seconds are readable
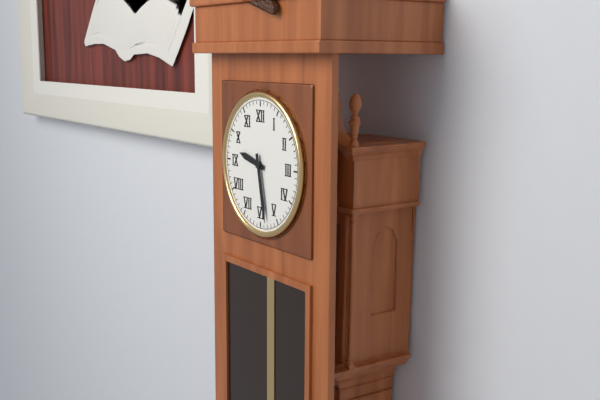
**9:28**
